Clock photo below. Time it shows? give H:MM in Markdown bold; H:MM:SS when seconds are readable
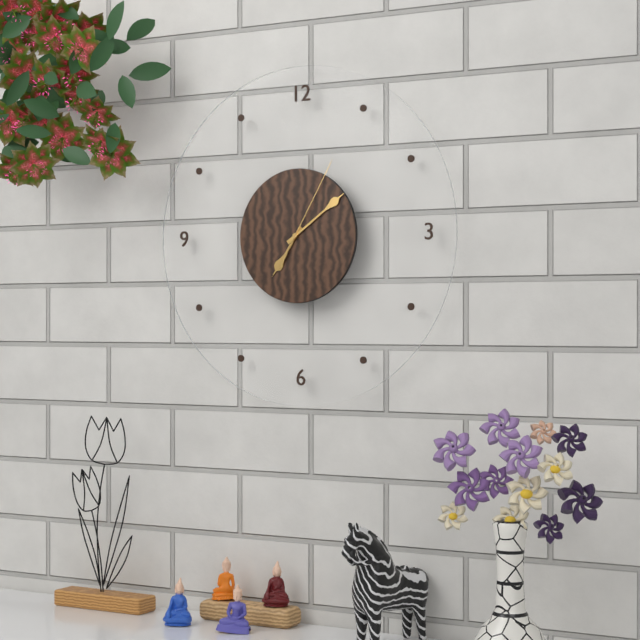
**7:09:05**
